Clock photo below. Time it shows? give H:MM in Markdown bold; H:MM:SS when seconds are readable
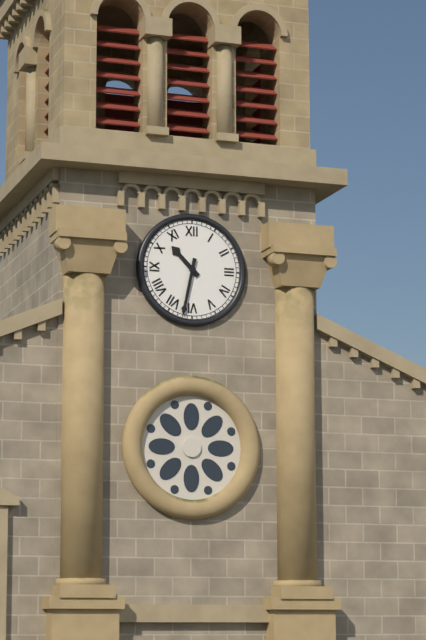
**10:32**
